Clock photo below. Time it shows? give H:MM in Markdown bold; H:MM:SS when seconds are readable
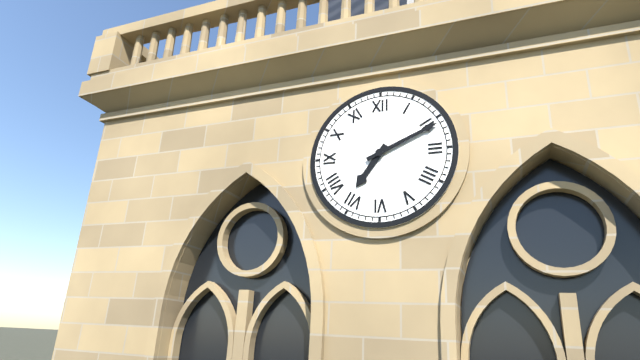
**7:11**
